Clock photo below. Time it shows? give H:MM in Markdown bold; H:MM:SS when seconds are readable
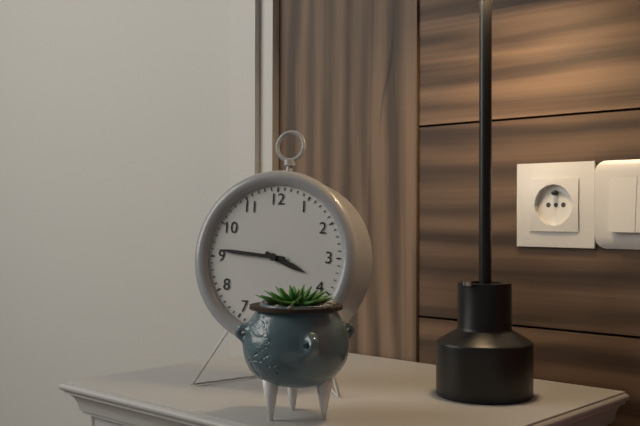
**3:46**
